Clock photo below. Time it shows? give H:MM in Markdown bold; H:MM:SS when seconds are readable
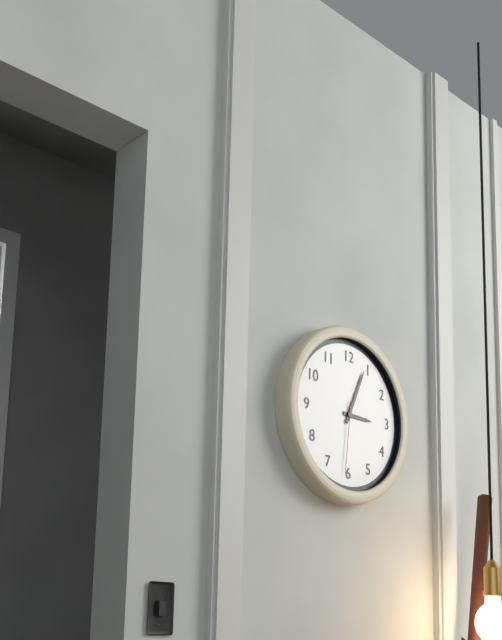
**3:04:31**
